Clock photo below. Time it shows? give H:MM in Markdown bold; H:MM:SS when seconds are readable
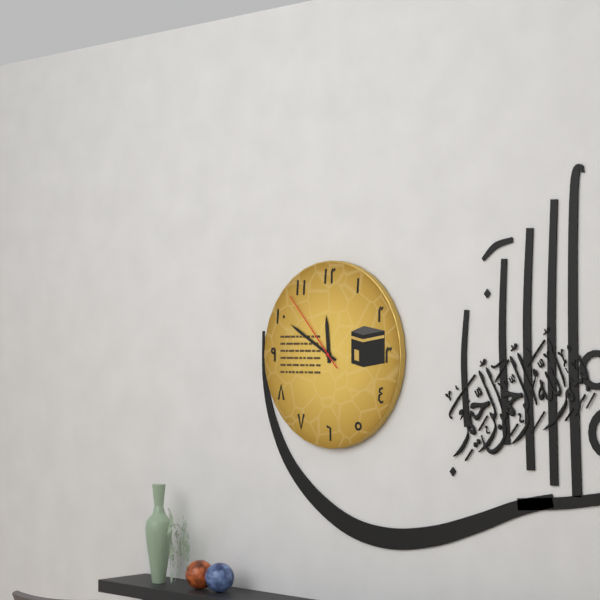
**11:50:53**
